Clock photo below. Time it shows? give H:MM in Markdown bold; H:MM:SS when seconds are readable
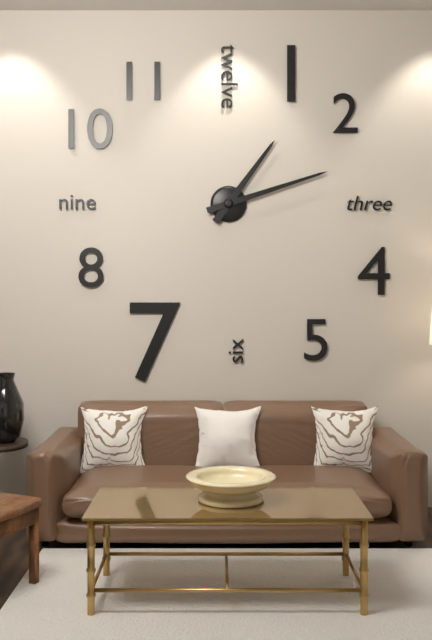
**1:12**
